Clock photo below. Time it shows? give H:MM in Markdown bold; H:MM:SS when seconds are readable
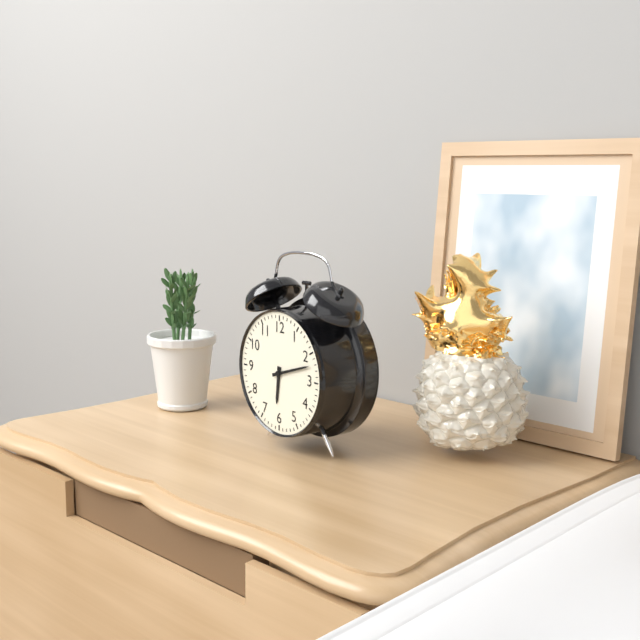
**6:12**
